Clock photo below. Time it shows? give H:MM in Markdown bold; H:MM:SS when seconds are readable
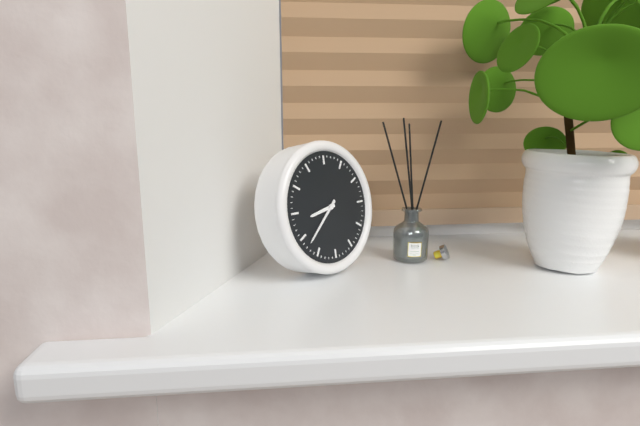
**8:38**
